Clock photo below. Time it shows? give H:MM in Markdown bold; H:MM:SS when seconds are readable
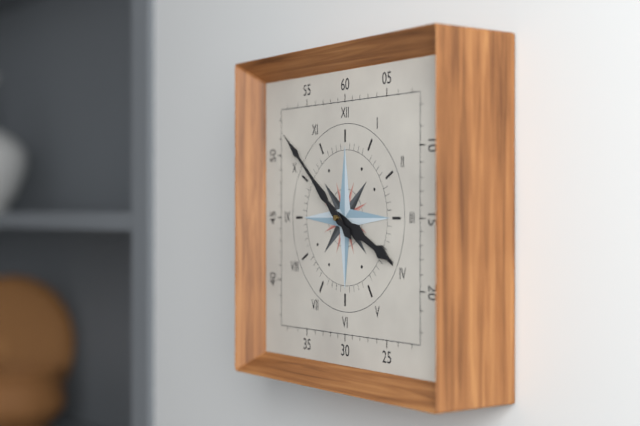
**3:52**
